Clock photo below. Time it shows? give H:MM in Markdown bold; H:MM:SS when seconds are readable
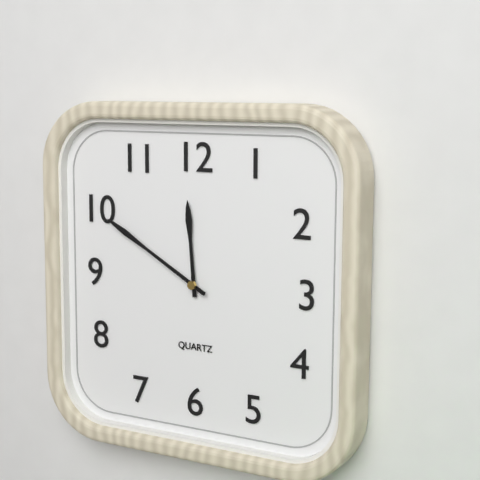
**11:50**
